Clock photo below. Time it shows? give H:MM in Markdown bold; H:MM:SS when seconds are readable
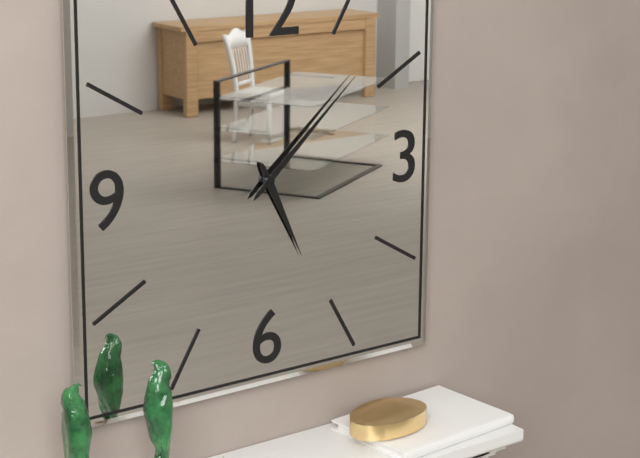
**5:08**
